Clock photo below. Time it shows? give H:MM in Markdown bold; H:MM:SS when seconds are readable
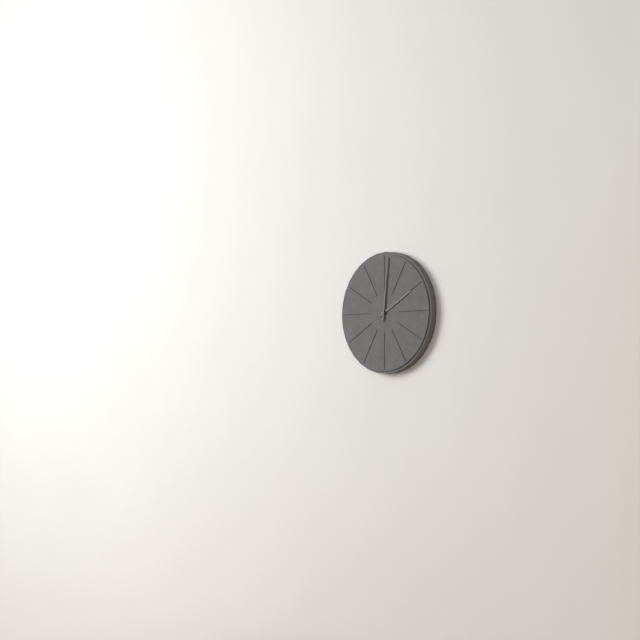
**2:01**
